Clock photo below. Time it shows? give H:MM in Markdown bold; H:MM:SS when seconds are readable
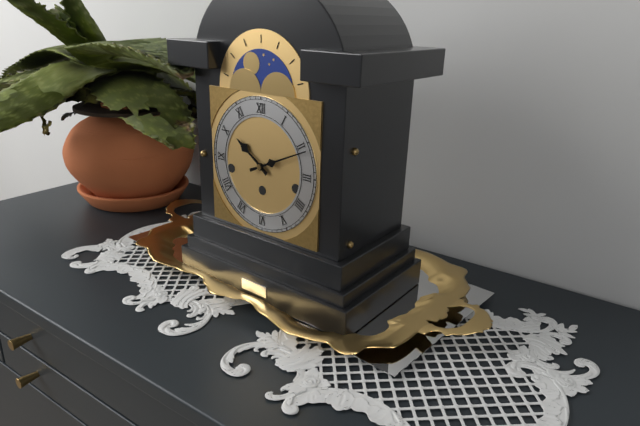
**10:11**
